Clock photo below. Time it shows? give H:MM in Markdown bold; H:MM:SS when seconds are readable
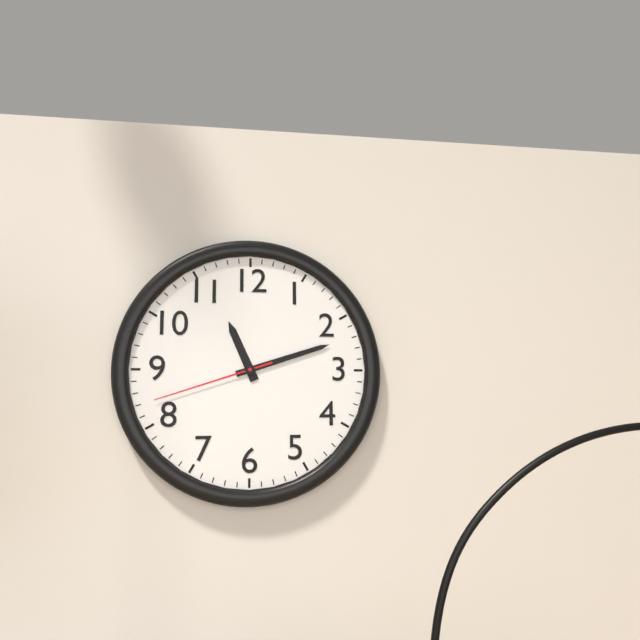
**11:12:42**
